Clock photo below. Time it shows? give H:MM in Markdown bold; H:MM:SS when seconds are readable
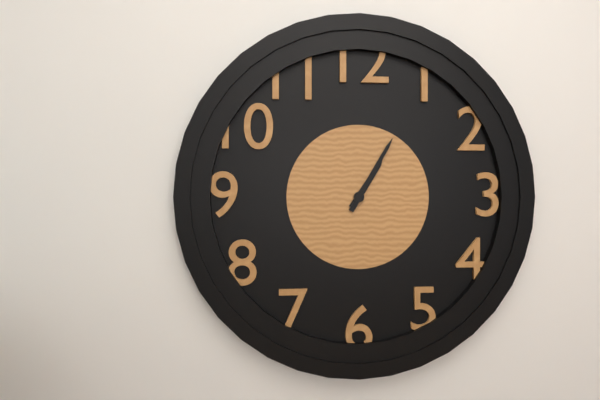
**1:05**
